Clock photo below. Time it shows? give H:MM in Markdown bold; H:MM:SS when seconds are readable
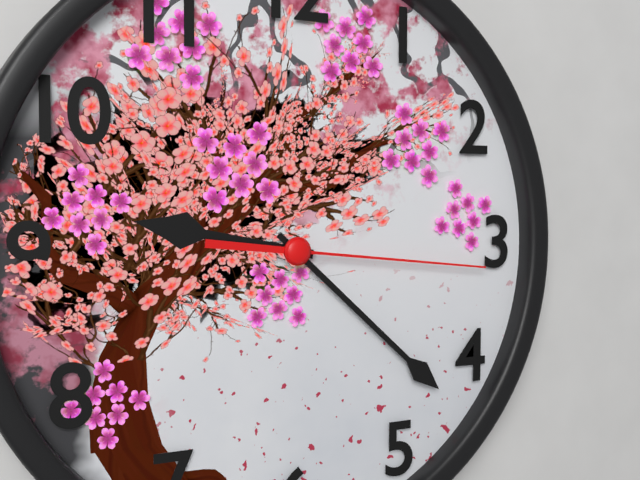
**9:22:16**
